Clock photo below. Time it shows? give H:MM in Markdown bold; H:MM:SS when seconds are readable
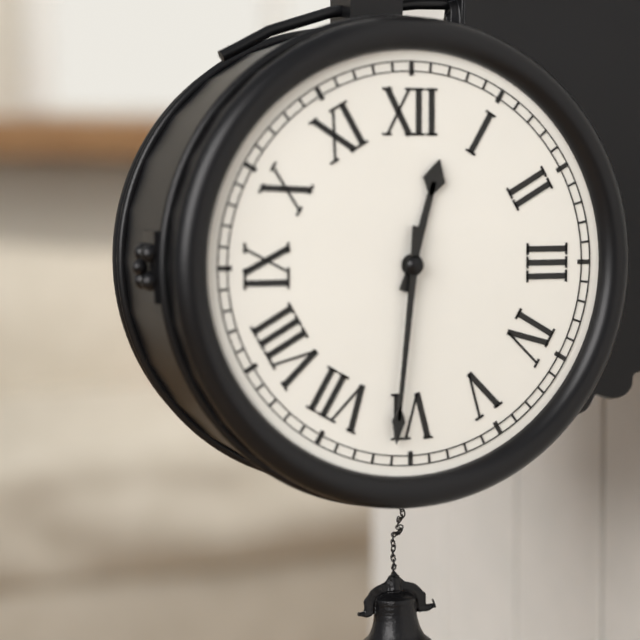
**12:31**
